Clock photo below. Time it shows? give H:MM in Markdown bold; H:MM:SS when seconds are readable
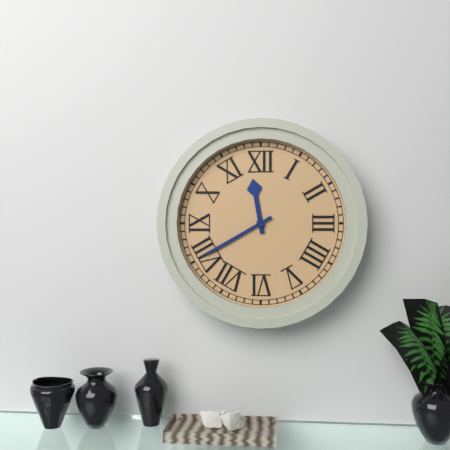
**11:40**
